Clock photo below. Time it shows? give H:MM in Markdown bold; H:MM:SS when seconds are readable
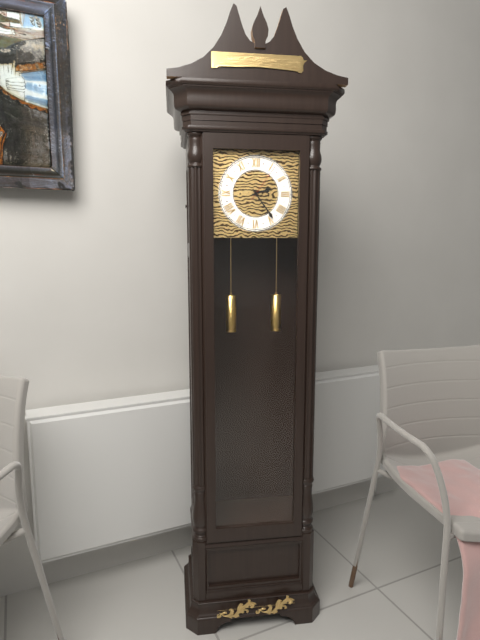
**2:24**
